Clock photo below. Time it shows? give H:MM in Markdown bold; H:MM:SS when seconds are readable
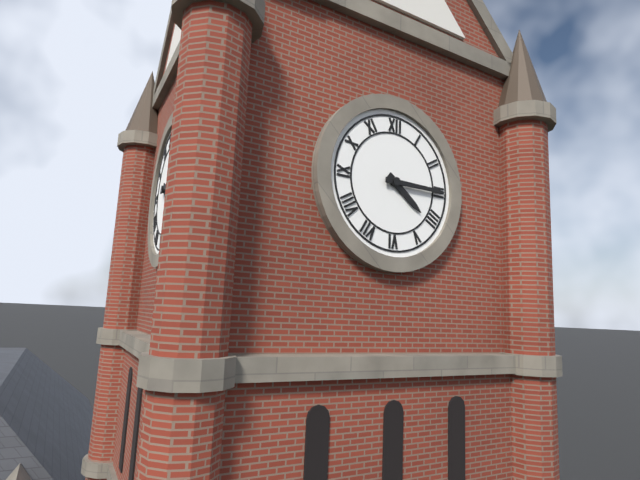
**4:15**
